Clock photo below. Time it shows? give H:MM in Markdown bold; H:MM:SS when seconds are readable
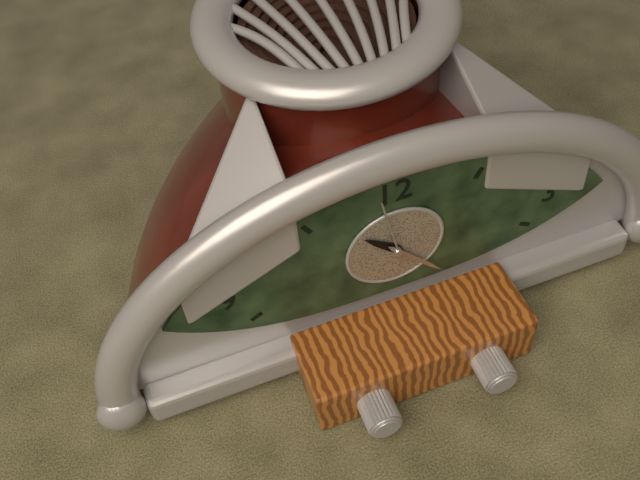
**10:23:58**
